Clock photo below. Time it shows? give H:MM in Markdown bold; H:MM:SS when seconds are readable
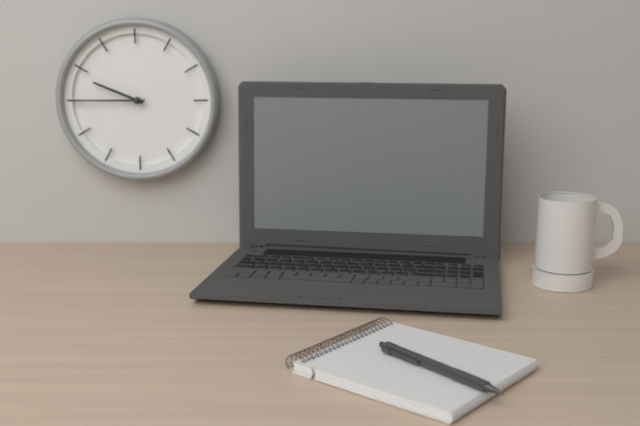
**9:45**
